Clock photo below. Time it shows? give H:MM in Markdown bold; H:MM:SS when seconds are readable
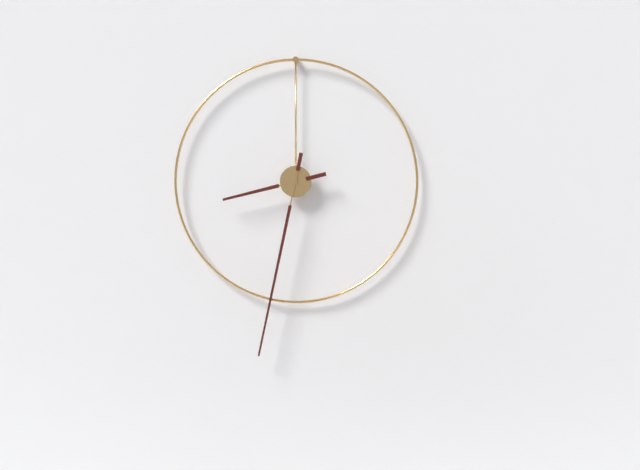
**8:32**
